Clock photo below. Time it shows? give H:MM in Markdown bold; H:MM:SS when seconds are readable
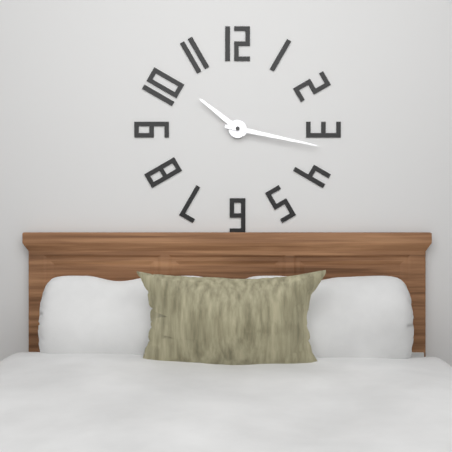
**10:17**
